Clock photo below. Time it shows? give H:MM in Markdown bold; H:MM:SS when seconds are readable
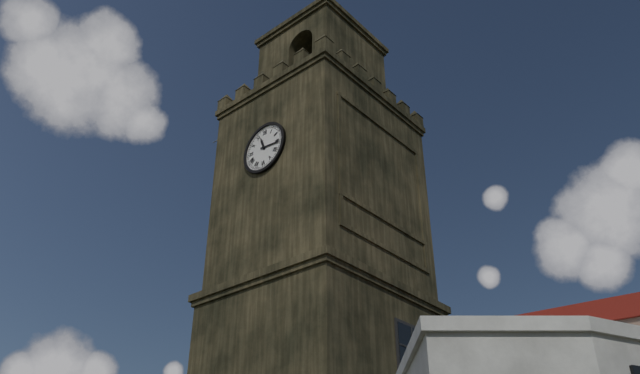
**11:16**
